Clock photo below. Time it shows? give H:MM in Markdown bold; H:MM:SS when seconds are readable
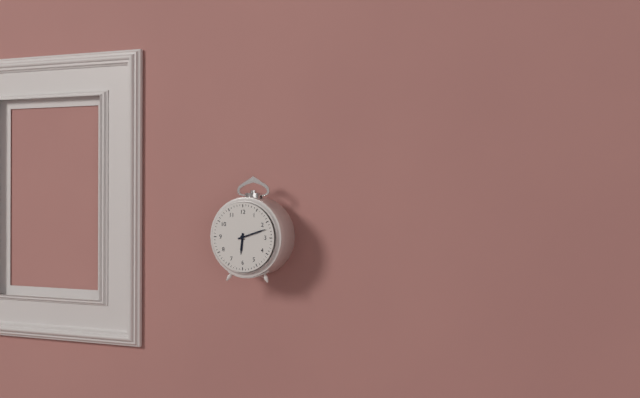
**6:12**
